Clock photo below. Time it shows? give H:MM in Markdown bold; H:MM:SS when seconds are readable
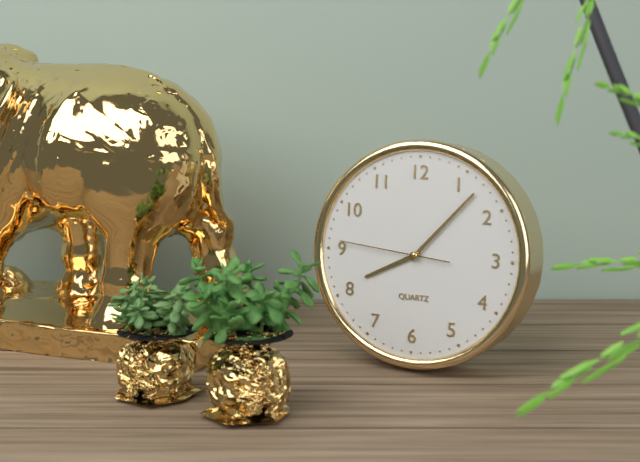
**8:07:46**
